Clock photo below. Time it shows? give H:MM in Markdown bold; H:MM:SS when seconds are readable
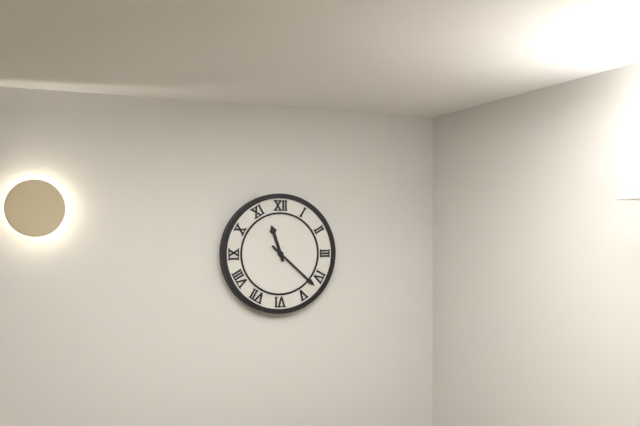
**11:22**
